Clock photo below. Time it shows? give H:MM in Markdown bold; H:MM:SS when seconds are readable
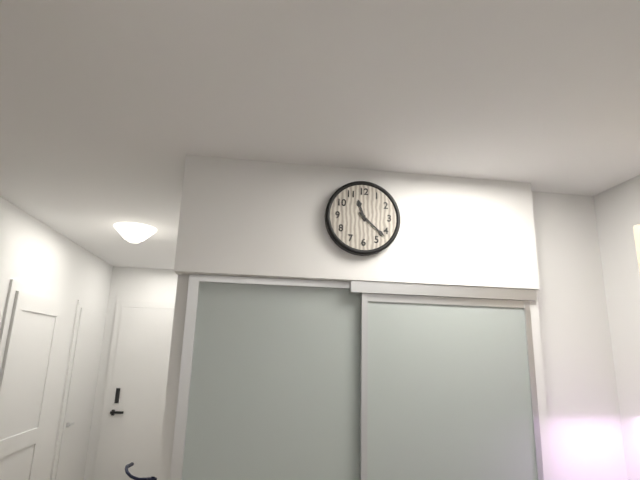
**11:22**
